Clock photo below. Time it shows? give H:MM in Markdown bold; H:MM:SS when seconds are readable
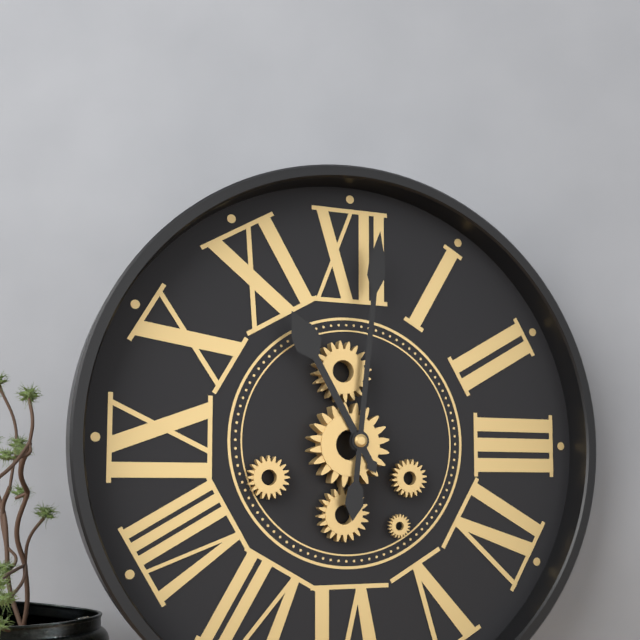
**11:01**
